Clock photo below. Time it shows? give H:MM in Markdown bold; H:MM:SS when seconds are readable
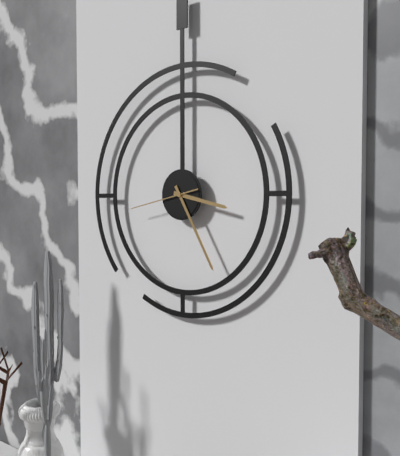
**3:25:43**
